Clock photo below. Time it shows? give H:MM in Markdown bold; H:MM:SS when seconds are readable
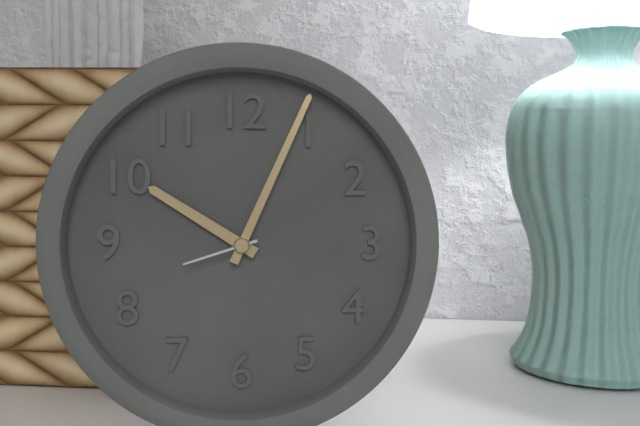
**10:04:42**
